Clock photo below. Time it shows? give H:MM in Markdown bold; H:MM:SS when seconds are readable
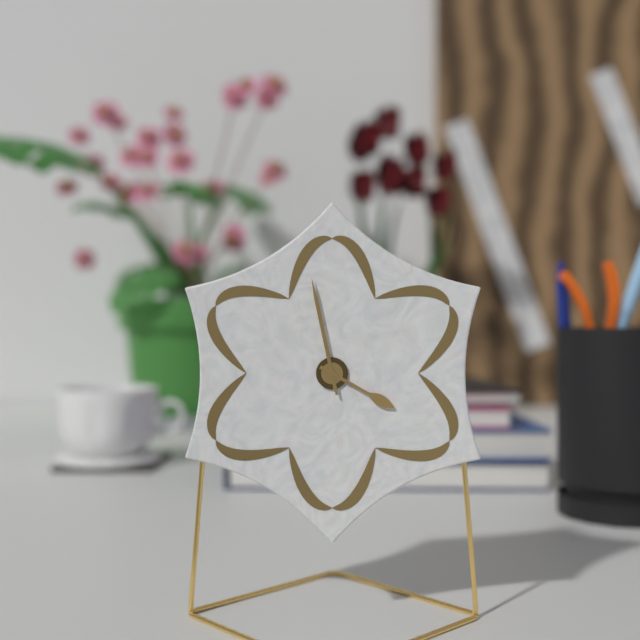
**3:58:58**
